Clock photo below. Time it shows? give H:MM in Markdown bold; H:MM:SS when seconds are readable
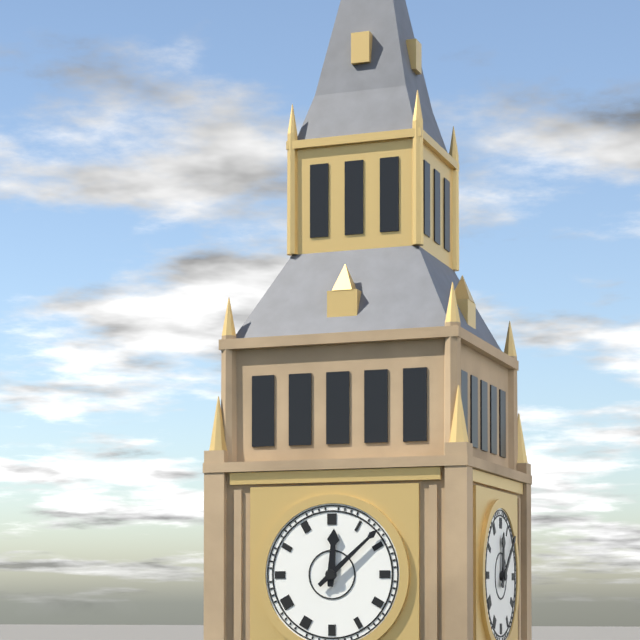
**12:08**
